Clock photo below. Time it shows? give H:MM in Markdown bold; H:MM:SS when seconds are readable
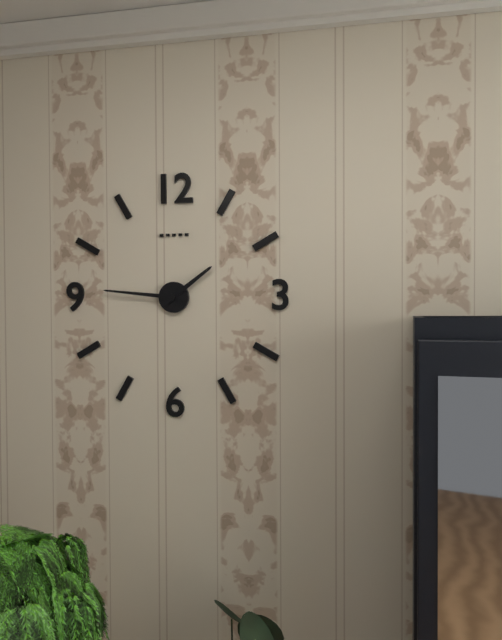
**1:46**
